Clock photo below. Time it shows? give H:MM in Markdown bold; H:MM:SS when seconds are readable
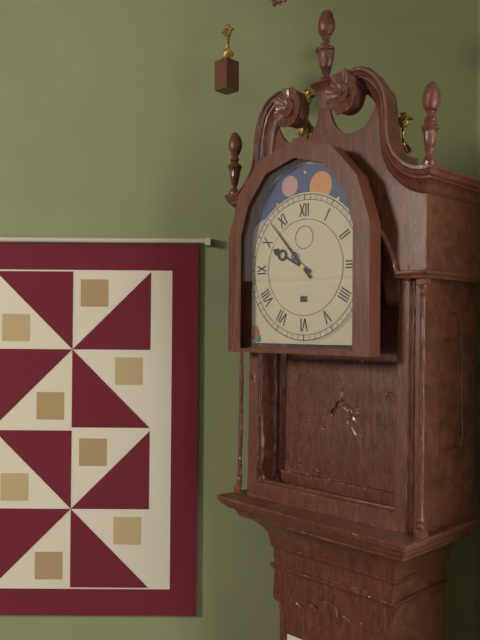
**9:53**
